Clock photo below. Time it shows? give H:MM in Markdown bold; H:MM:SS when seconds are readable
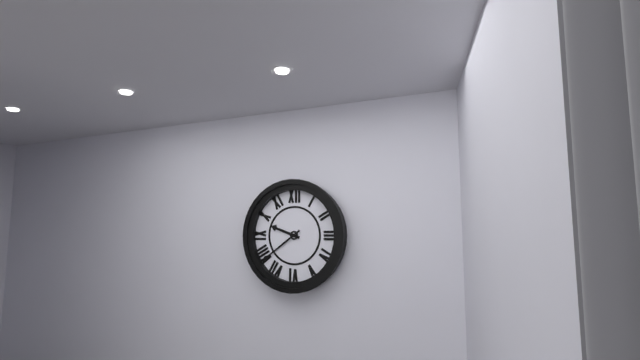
**9:39**
